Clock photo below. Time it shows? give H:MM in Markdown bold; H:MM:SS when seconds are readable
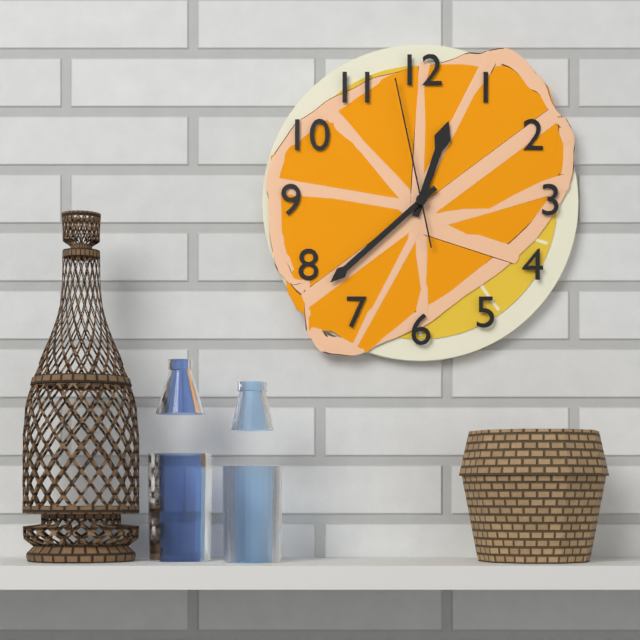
**12:38:58**
